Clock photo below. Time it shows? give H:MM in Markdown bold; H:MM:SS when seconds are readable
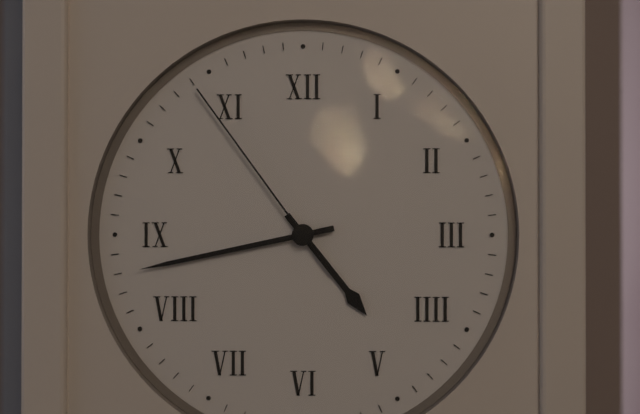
**4:43:54**
